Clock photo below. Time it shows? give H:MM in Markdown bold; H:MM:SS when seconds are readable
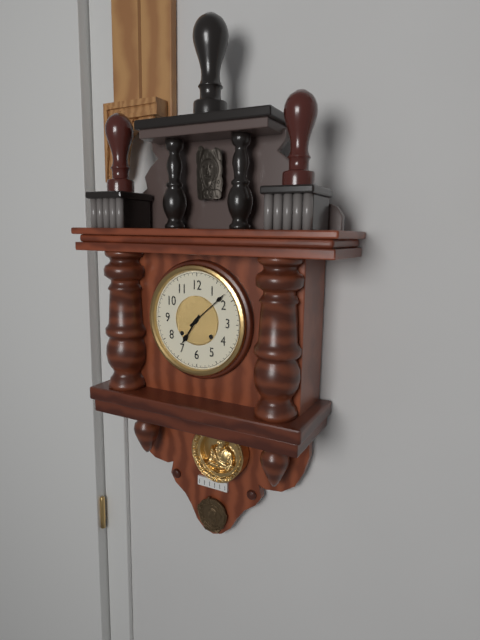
**7:08**
